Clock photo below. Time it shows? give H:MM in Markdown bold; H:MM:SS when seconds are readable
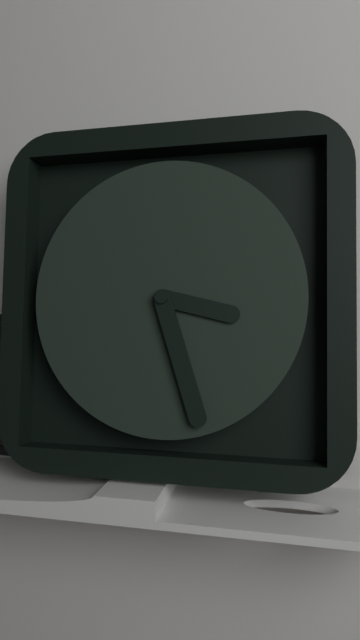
**3:27**
